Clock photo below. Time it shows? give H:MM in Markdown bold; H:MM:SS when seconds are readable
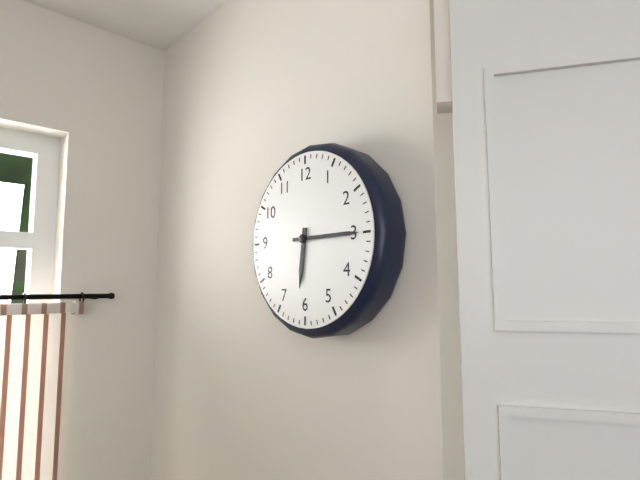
**6:15**
